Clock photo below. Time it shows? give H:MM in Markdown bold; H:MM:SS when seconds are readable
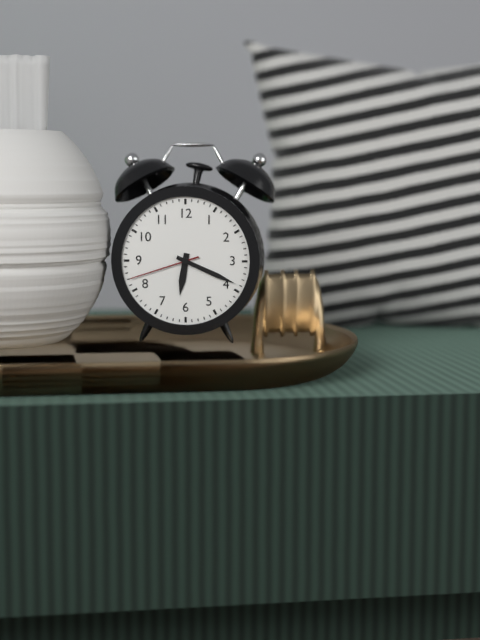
**6:19:42**
